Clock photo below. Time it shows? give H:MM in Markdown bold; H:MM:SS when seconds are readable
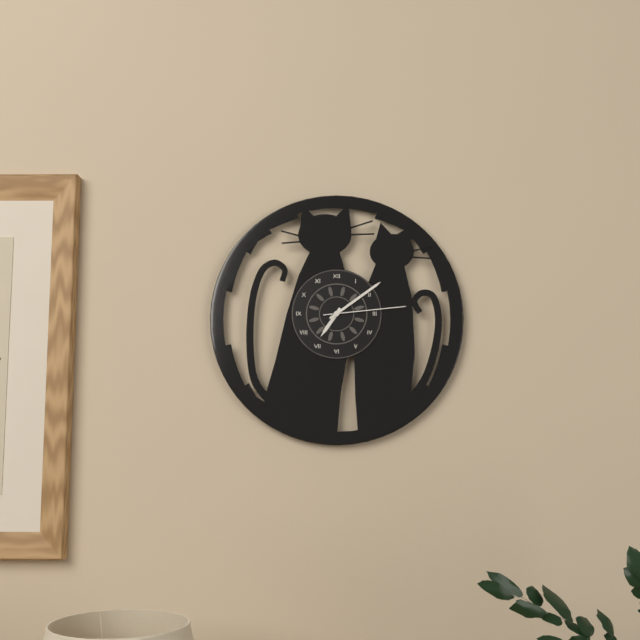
**7:09:14**
